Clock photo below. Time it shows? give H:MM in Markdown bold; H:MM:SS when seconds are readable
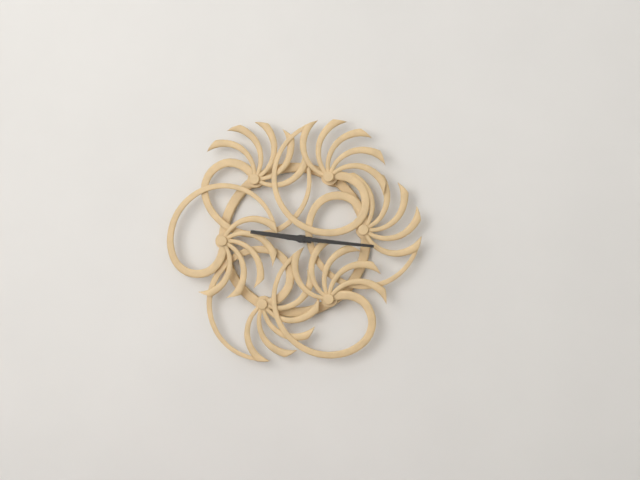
**9:16**
